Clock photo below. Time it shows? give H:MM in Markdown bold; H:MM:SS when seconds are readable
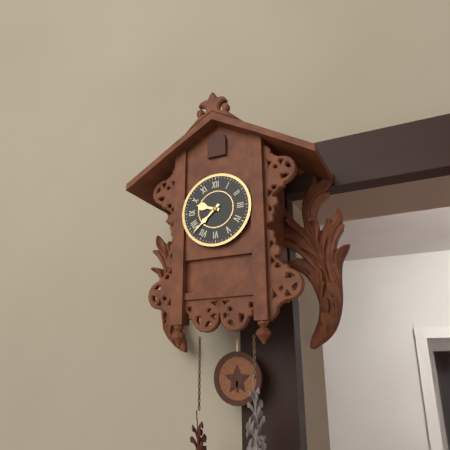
**9:38**
